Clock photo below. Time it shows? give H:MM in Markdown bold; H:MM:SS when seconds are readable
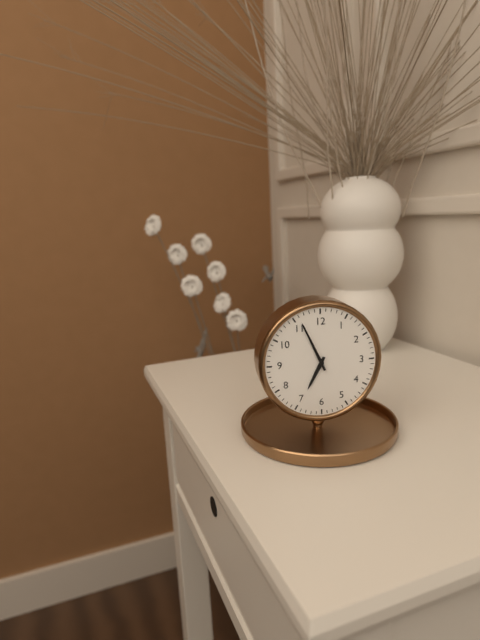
**6:56**
